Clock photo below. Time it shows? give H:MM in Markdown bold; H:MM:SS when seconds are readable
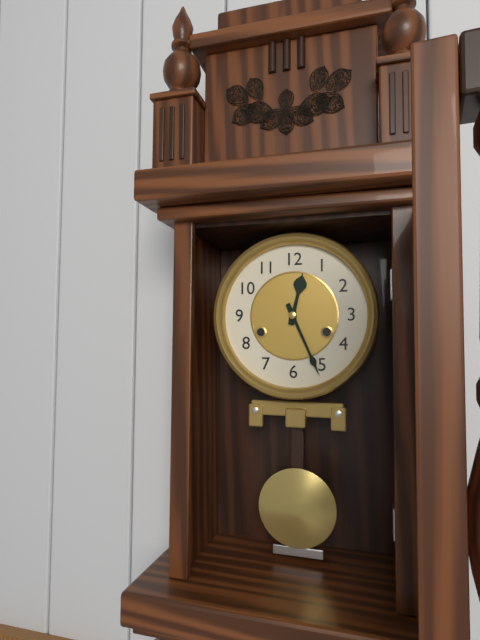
**12:26**
